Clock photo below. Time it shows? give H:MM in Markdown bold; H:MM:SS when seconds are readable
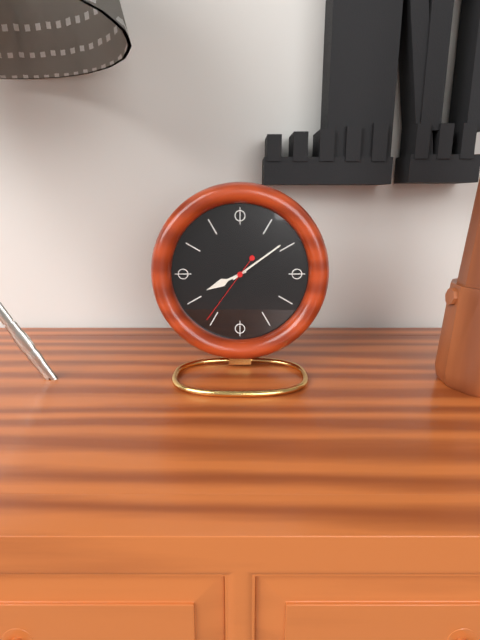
**8:09:36**
